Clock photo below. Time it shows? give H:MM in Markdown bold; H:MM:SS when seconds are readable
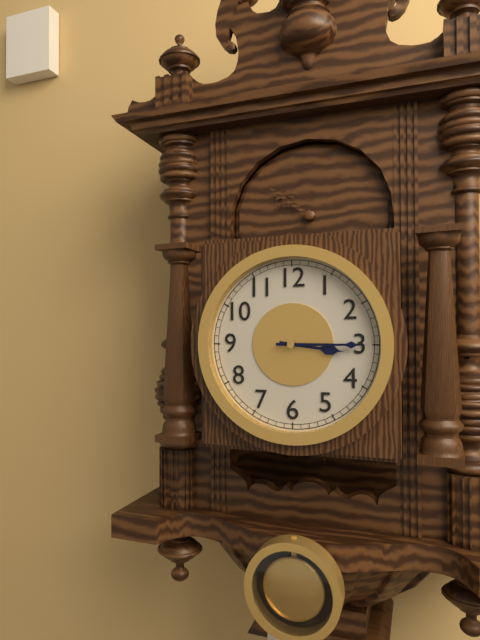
**3:15**
